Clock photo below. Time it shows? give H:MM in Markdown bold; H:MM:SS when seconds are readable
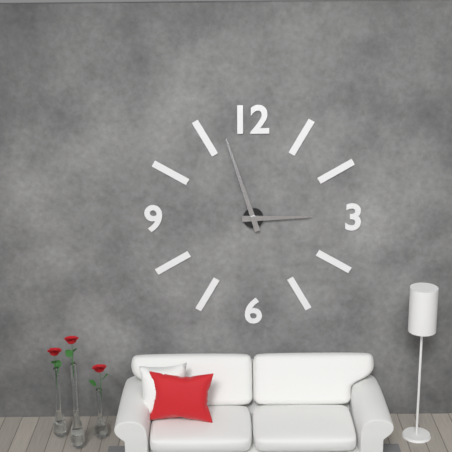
**2:57**
